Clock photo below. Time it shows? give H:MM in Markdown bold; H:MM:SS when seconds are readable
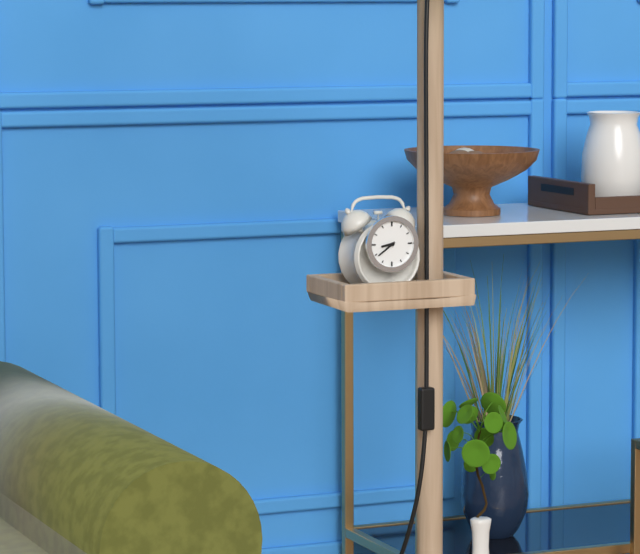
**8:39**
